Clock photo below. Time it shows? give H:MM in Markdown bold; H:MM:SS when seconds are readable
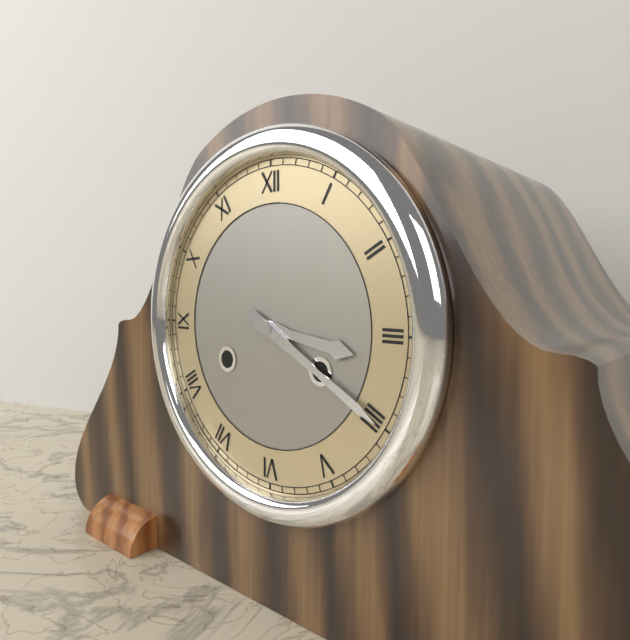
**3:20**
